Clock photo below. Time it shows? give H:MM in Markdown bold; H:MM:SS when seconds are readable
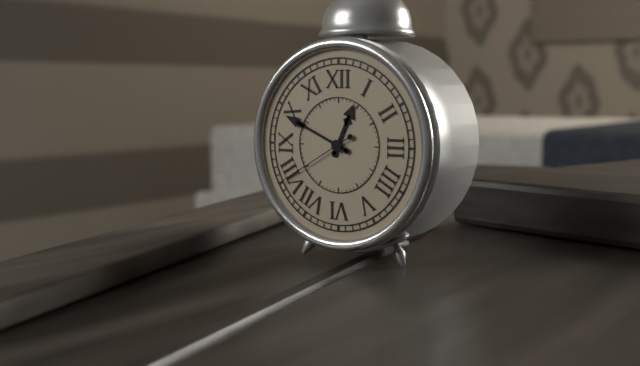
**12:49:40**
